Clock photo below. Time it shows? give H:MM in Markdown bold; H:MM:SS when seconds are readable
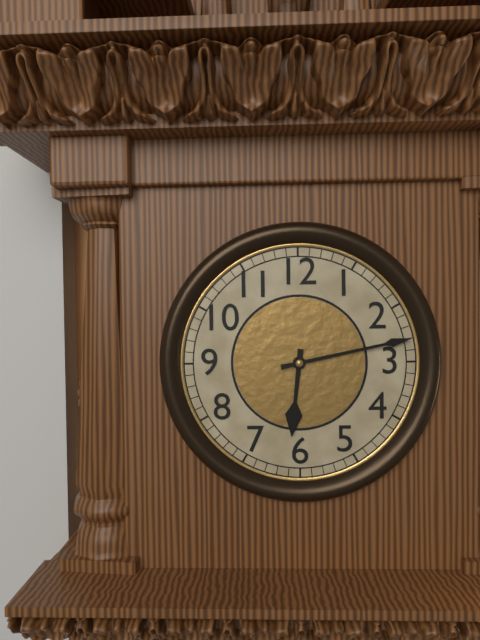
**6:13**
